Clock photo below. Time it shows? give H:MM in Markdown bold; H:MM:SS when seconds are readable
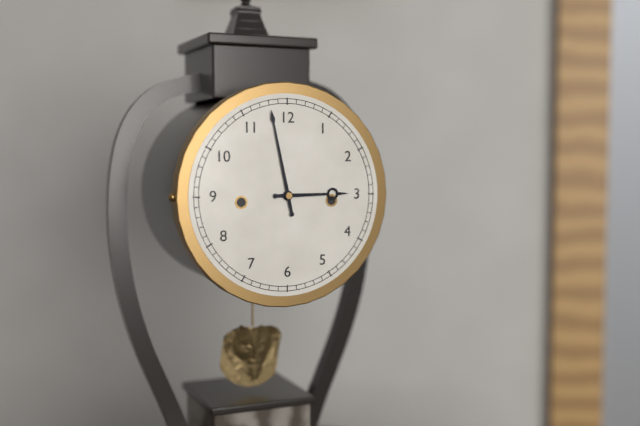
**2:58**
